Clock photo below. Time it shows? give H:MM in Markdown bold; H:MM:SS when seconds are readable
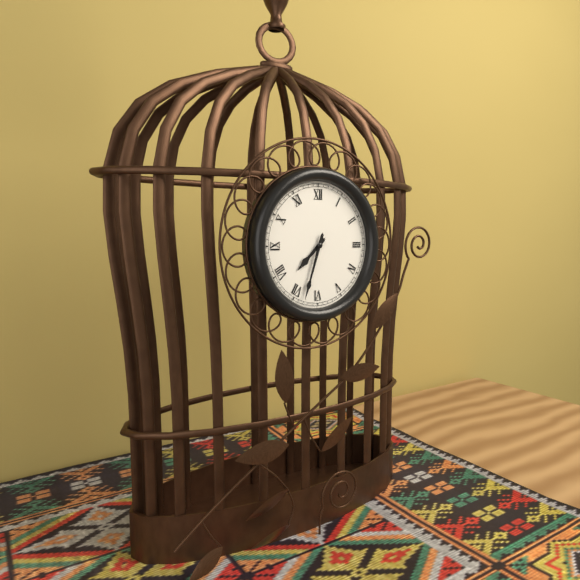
**7:33**
